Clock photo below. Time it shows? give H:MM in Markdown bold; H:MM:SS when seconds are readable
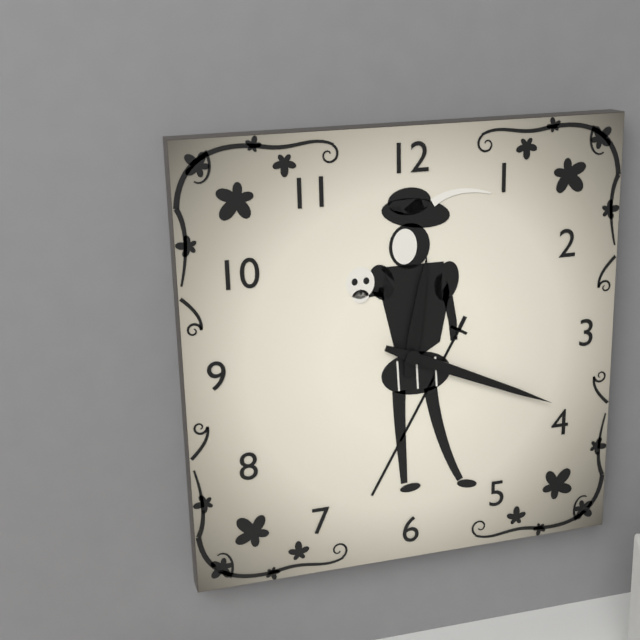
**12:19**
